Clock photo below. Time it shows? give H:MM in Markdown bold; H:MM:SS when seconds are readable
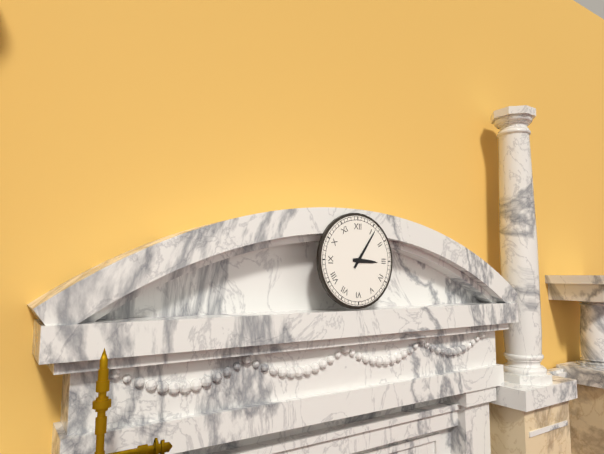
**3:06**
